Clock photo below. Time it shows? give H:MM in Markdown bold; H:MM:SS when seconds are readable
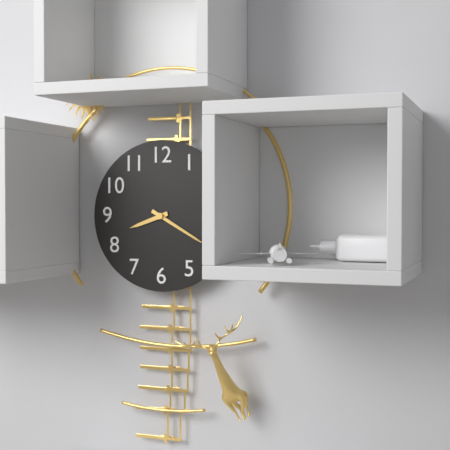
**8:20**
